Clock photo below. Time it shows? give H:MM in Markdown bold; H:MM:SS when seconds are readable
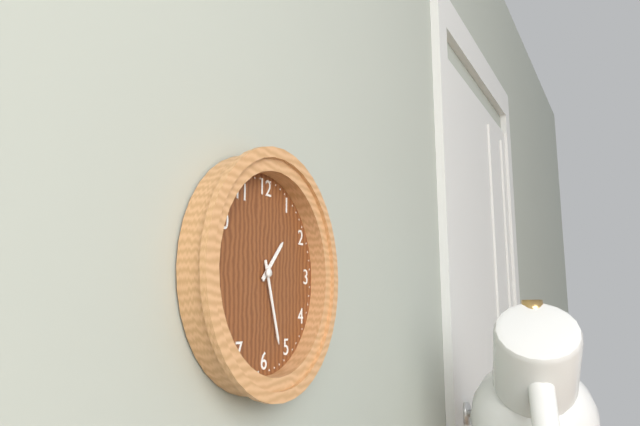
**1:27**
